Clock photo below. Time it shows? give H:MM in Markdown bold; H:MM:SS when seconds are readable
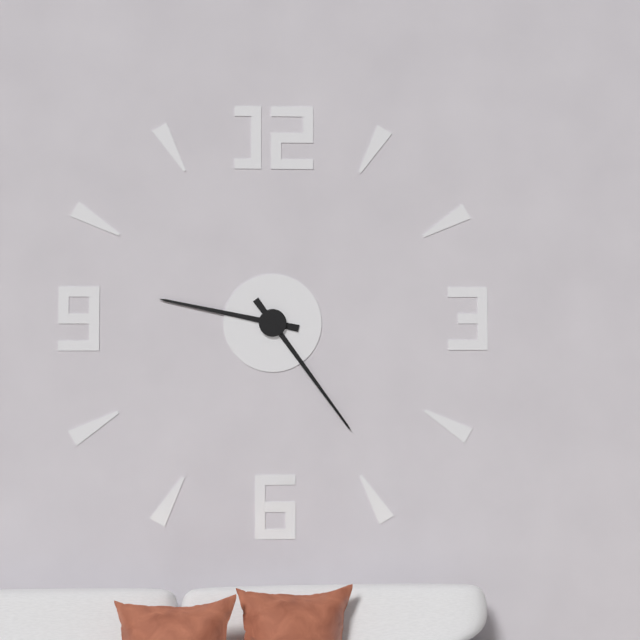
**9:24**
